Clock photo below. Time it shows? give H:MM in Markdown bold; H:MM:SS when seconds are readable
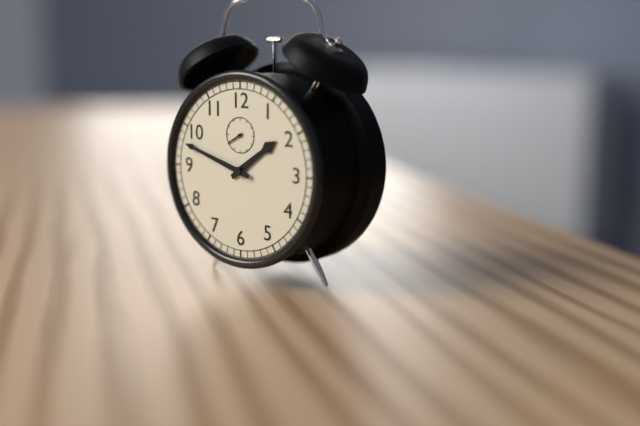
**1:48**
